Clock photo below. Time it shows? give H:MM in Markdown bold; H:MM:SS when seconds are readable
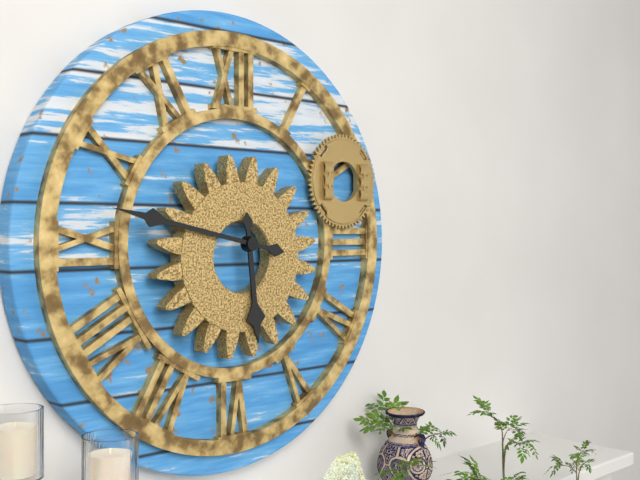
**5:47**
